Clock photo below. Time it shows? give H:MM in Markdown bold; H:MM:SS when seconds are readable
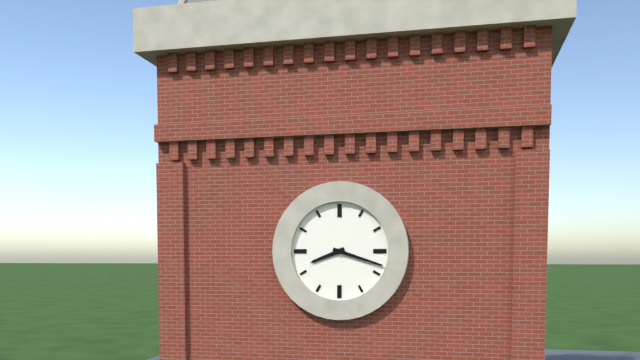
**8:18**
